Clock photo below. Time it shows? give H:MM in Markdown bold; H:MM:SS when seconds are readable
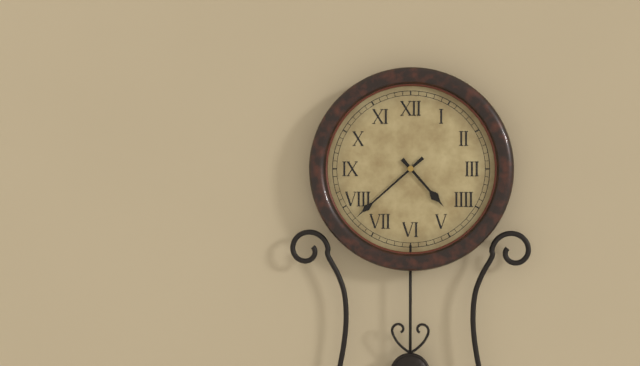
**4:38**
